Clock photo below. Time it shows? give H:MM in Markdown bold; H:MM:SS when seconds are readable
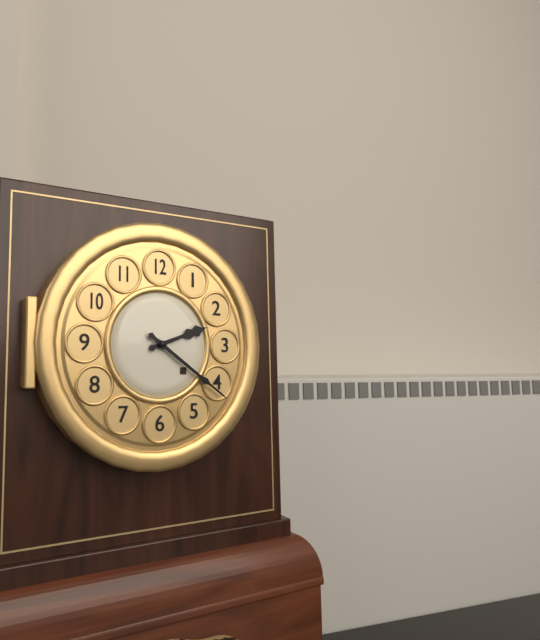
**2:21**
